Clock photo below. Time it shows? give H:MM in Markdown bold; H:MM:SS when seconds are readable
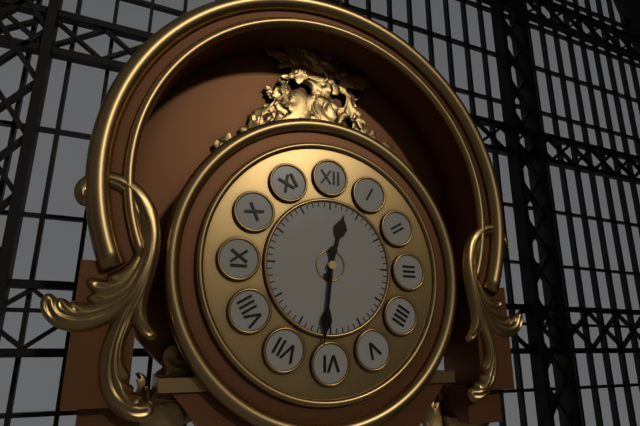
**12:31**
